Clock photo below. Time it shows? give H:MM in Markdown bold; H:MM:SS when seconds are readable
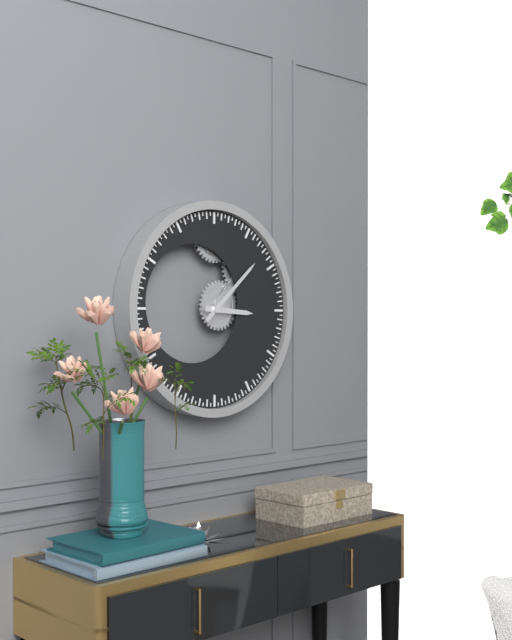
**3:08**
